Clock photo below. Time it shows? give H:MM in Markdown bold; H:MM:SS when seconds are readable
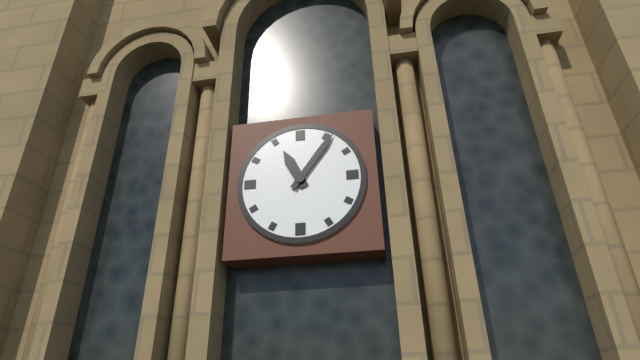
**11:06**
